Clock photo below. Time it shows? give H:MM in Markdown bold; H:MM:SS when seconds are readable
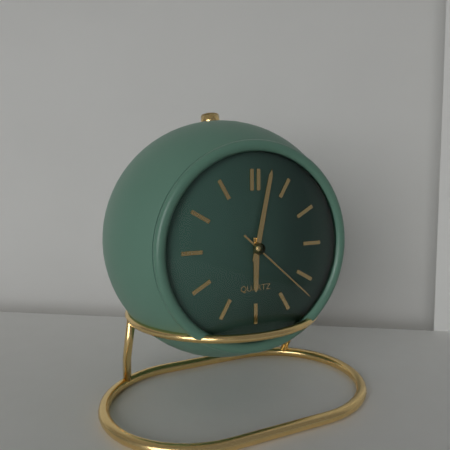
**6:02:22**
